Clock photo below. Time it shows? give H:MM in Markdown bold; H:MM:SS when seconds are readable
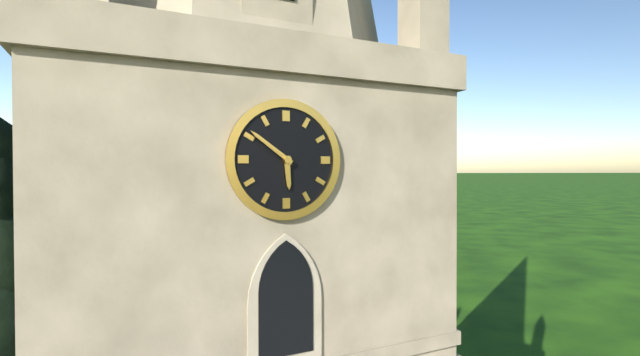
**5:51**
